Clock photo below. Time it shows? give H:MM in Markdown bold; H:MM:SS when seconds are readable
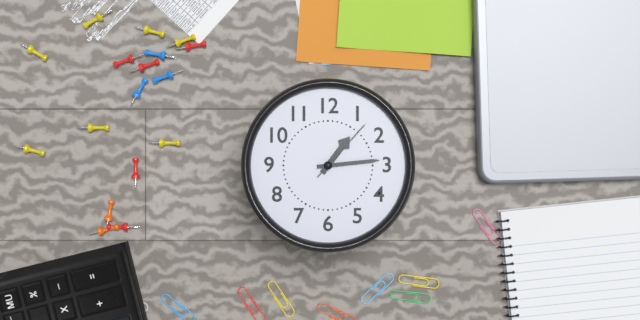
**1:14:07**
